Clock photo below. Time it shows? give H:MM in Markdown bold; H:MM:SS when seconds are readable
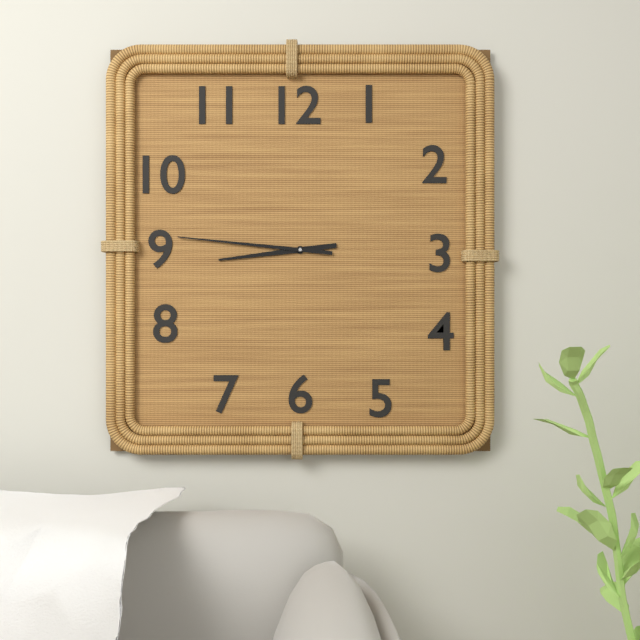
**8:46**
